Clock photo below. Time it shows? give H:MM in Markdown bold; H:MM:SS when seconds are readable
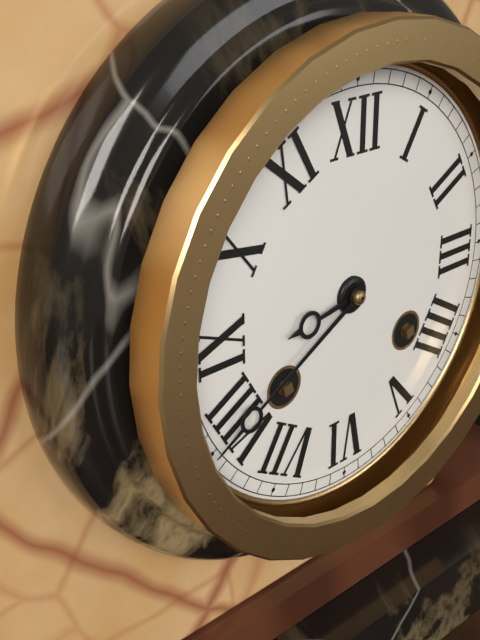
**8:40**
